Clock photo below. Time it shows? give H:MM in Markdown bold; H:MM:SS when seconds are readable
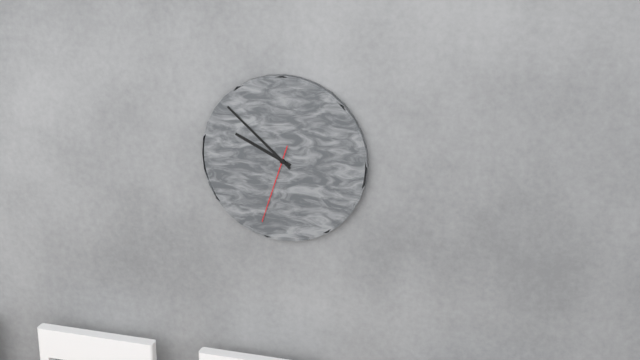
**9:52:33**
